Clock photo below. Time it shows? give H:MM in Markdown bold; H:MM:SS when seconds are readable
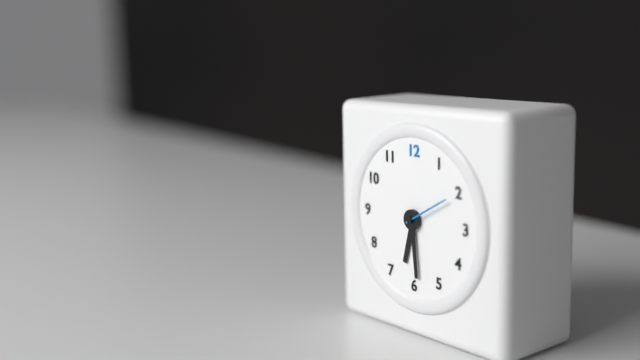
**6:29:10**
